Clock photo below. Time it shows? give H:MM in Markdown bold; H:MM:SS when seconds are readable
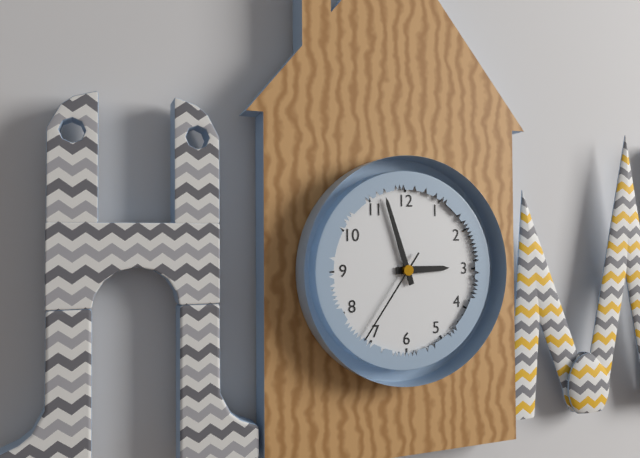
**2:57:36**
